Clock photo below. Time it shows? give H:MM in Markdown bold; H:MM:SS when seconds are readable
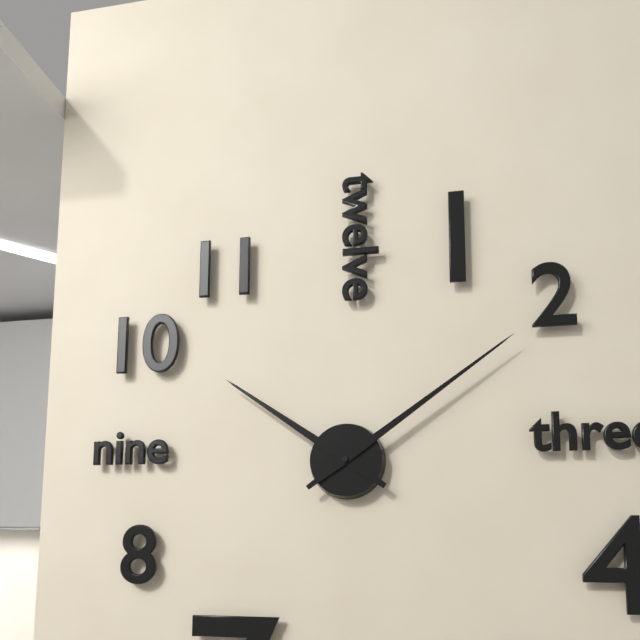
**10:09**
